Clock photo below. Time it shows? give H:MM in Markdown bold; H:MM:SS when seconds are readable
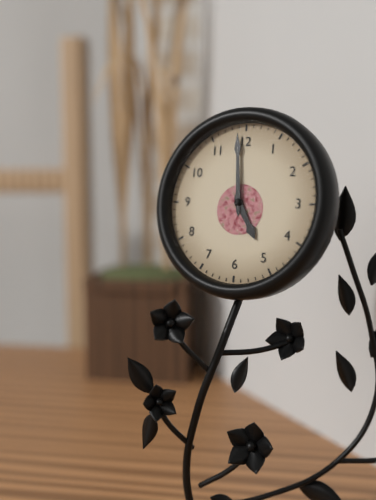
**4:59**
